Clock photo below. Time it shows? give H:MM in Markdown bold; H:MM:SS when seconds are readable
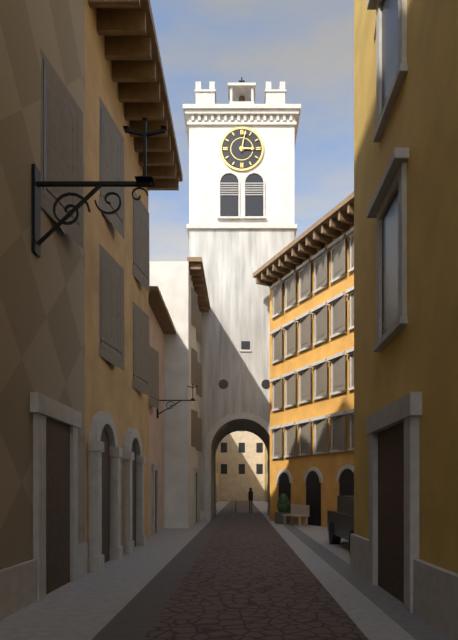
**3:02**
